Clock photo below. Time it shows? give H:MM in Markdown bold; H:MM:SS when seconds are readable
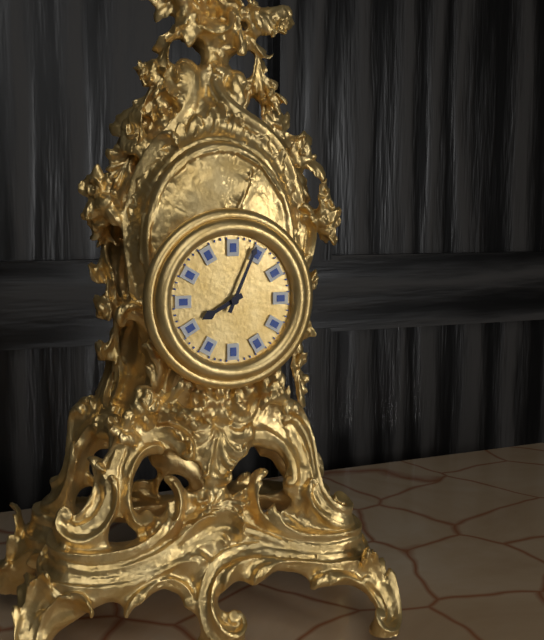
**8:04**
